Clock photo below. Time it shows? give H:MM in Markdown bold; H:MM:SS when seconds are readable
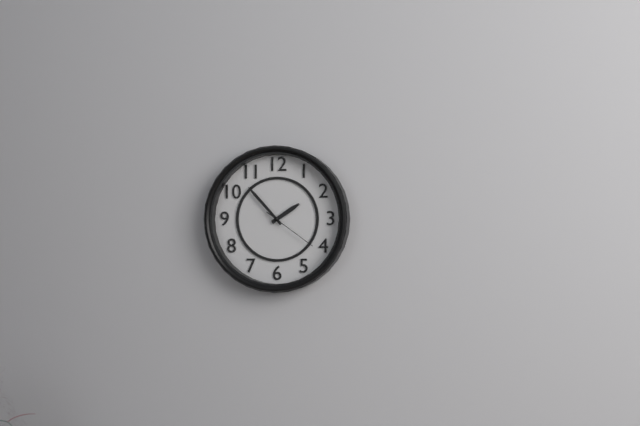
**1:53:21**
